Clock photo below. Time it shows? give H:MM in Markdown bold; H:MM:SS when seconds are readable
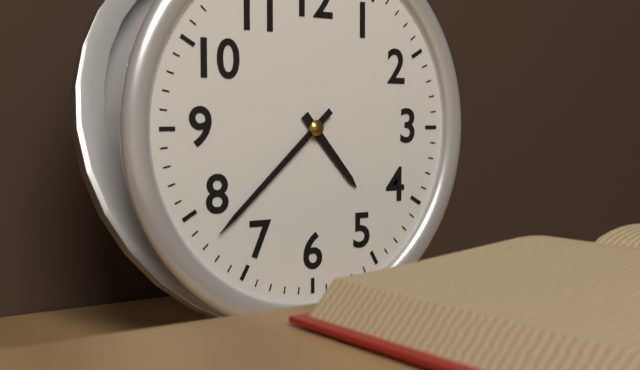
**4:38**
